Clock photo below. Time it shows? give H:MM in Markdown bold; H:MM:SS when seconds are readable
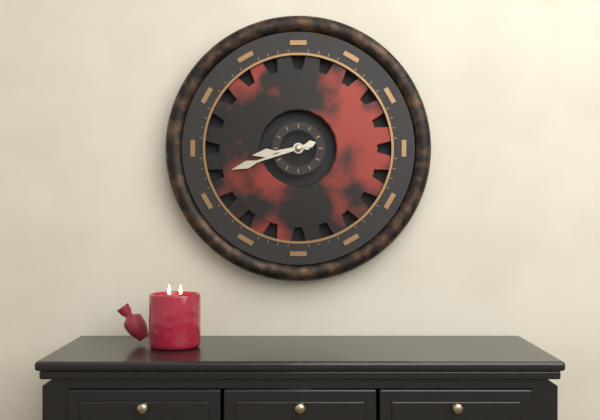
**8:42**
